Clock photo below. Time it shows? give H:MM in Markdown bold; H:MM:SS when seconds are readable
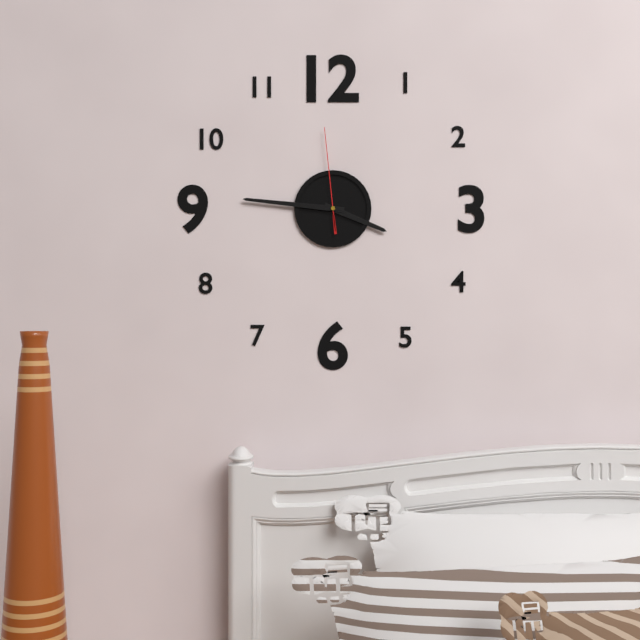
**3:46:59**
